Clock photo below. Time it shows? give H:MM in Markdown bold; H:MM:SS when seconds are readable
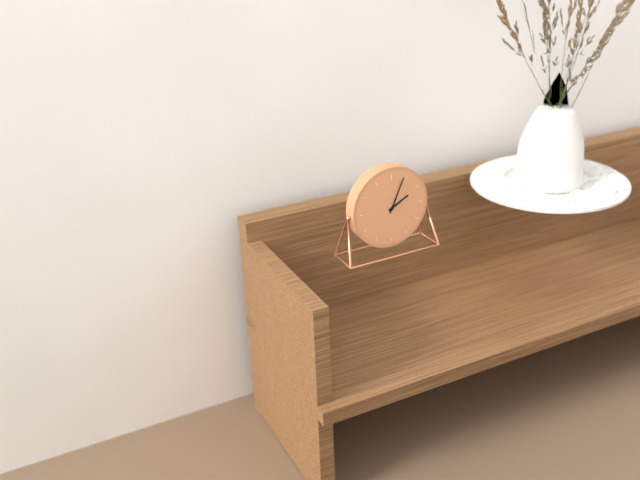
**2:04**
